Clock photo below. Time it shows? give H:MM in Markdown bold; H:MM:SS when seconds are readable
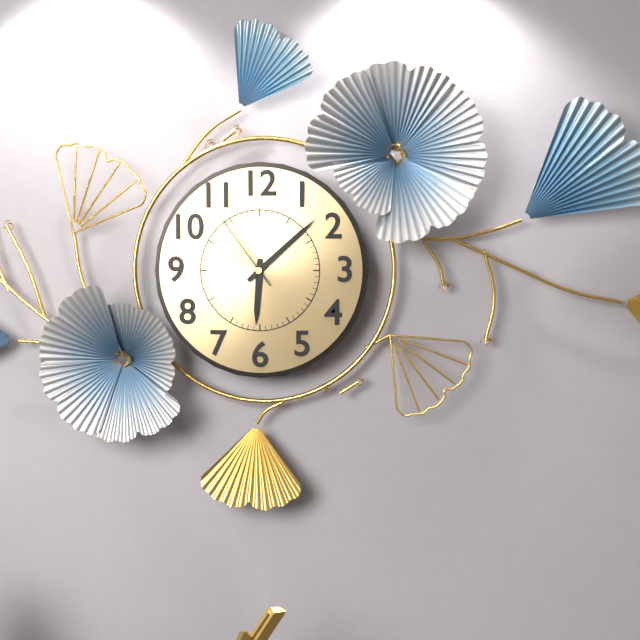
**6:08:54**
